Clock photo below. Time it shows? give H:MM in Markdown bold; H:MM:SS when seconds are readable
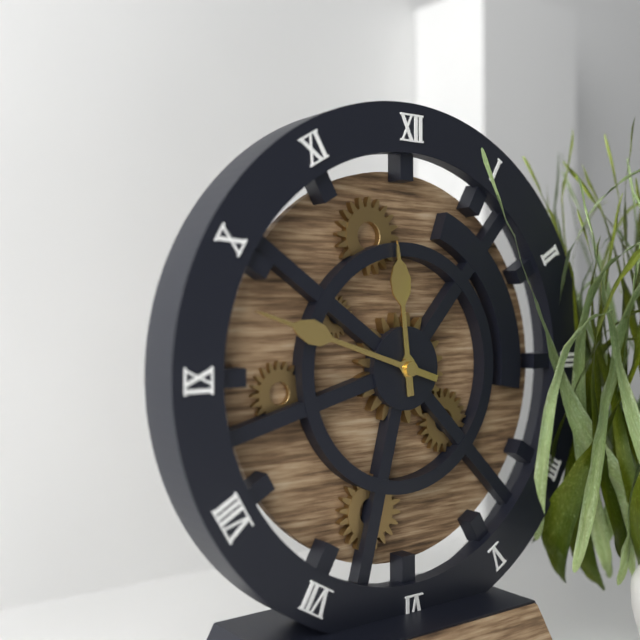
**11:48**
